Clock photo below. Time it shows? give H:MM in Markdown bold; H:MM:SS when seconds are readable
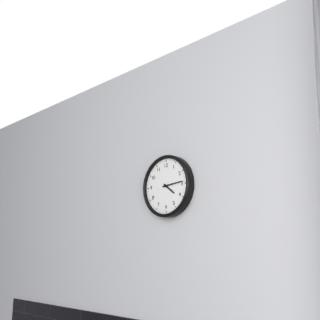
**4:14**
